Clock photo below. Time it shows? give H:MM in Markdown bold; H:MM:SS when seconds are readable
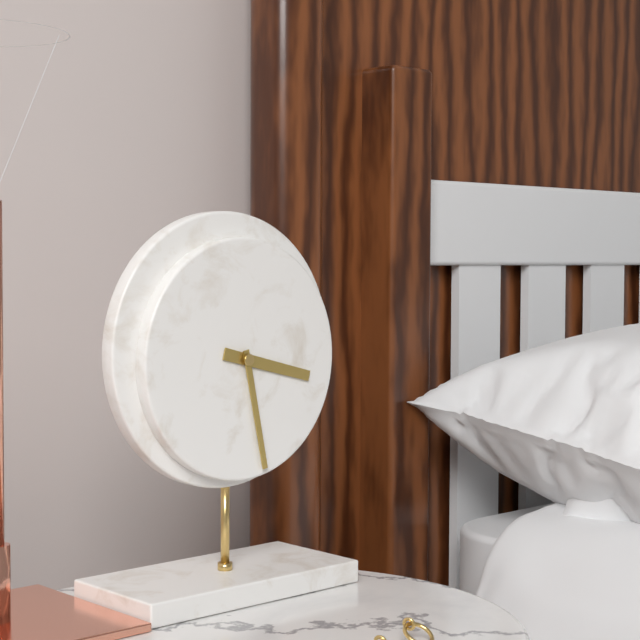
**3:28**
